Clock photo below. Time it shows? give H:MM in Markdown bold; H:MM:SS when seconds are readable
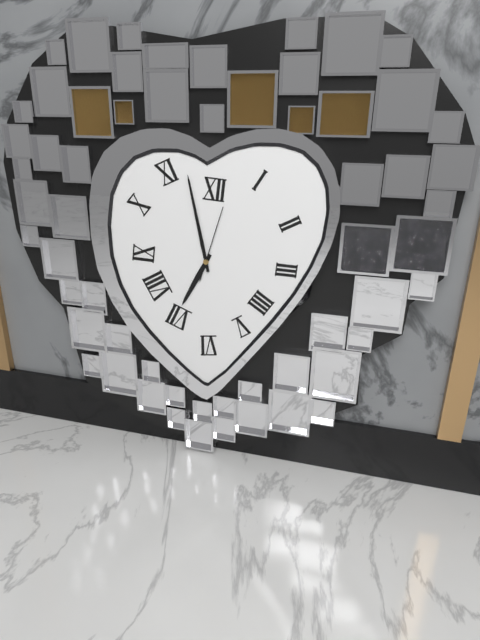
**6:58:03**
